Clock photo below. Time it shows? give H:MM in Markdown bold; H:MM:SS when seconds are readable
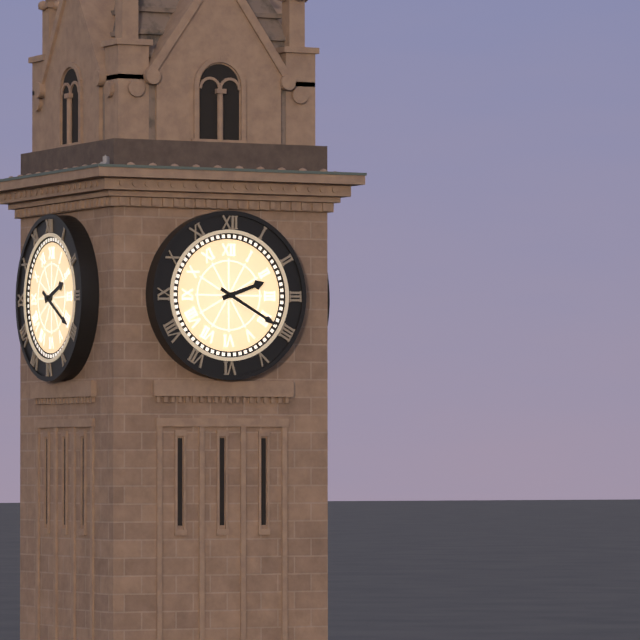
**2:20**
